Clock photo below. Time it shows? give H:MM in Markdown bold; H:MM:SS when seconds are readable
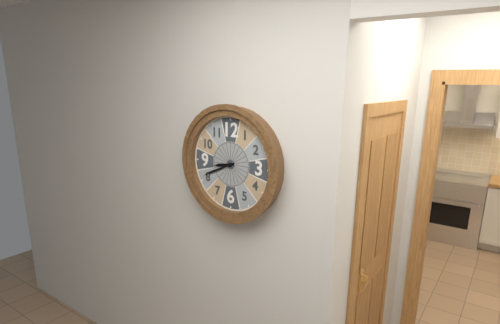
**8:41**
